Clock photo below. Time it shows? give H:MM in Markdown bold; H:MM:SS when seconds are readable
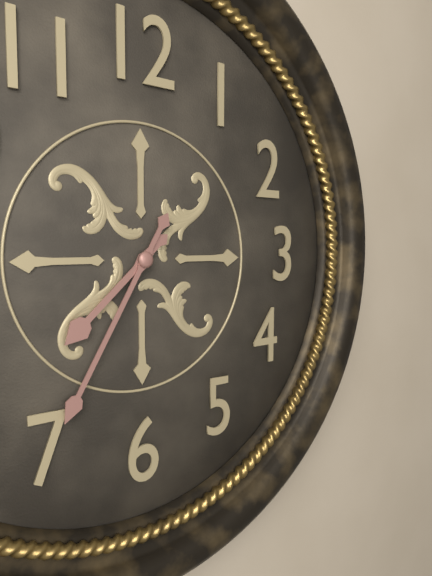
**7:35**
